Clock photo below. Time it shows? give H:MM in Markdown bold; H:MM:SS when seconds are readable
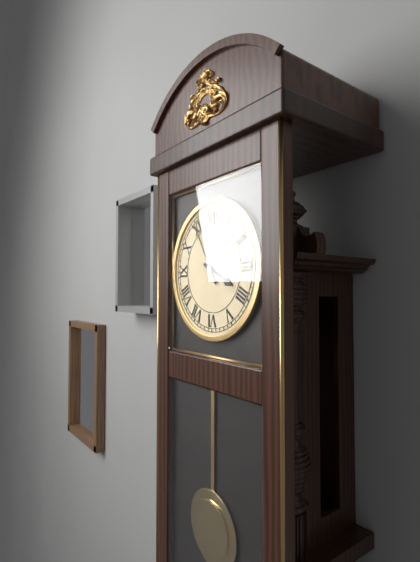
**3:55**
